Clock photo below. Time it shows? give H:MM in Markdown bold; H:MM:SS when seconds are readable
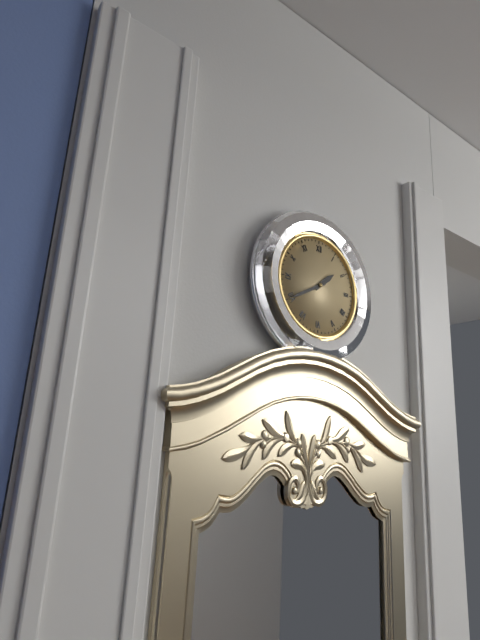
**1:40**
